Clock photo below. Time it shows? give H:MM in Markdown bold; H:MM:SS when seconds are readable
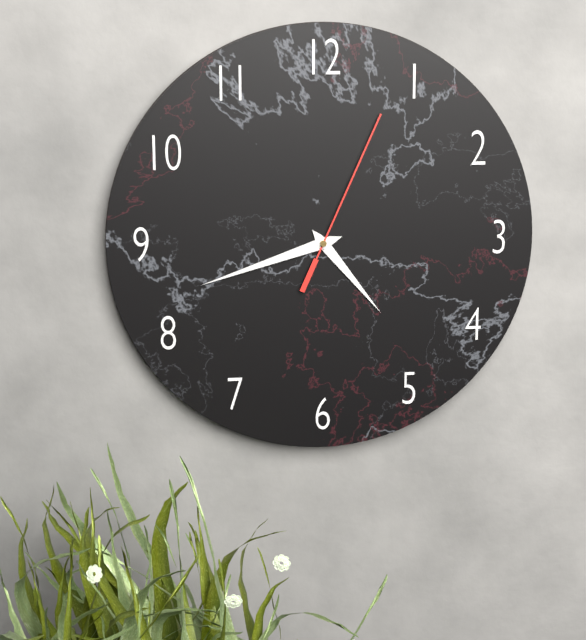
**4:42:04**
